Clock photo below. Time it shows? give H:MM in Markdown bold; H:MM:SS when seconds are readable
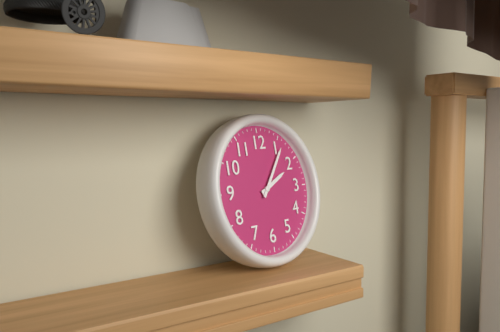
**2:06**
